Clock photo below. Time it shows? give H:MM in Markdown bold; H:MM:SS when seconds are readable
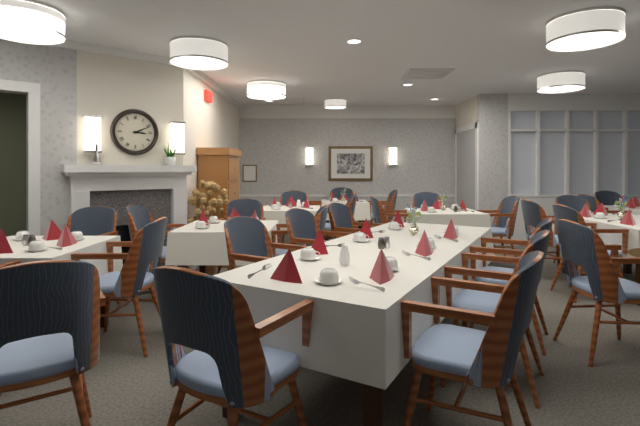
**3:11**
